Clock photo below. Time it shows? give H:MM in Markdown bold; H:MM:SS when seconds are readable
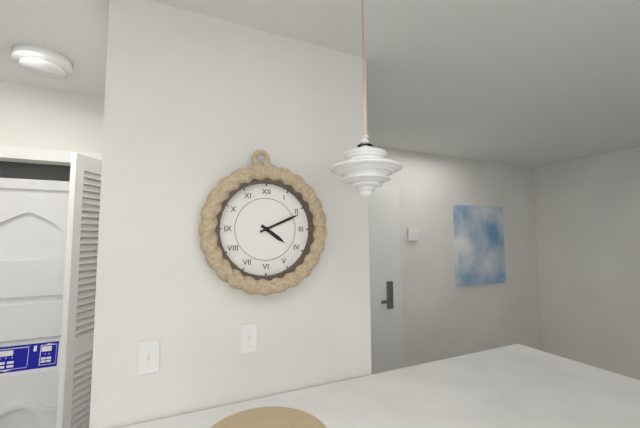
**4:11**
